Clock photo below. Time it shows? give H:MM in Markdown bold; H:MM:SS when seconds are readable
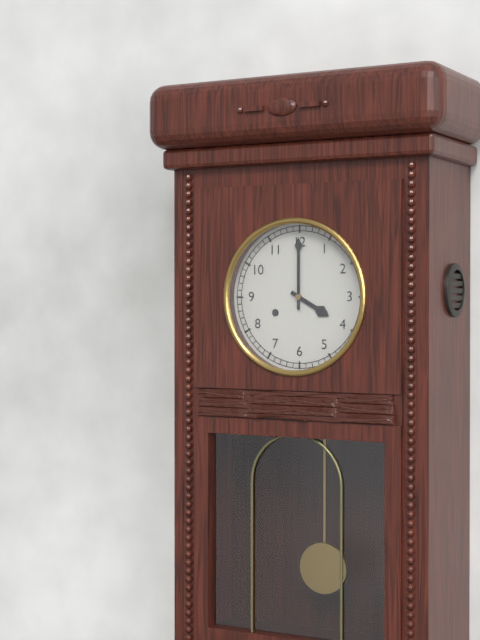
**4:00**
